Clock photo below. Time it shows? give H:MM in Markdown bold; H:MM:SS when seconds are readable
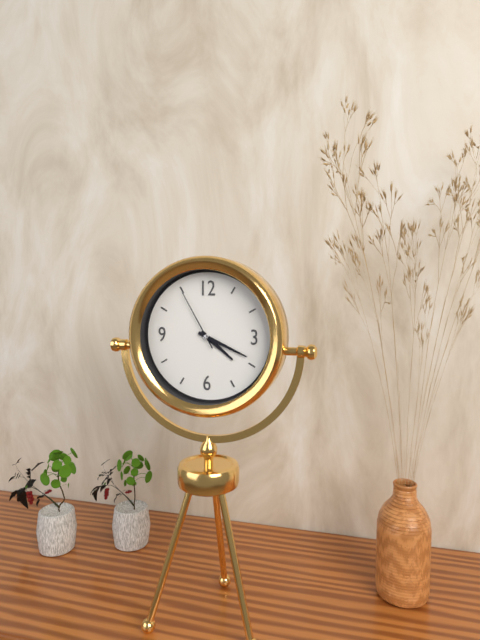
**4:19:55**
